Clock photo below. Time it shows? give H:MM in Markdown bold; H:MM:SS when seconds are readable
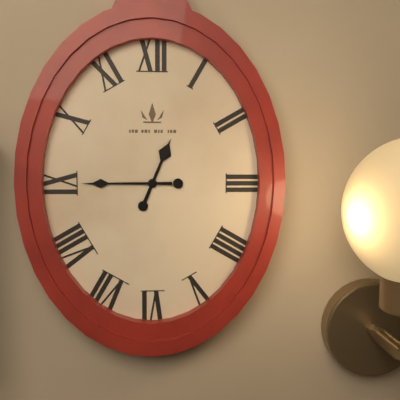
**12:45**
